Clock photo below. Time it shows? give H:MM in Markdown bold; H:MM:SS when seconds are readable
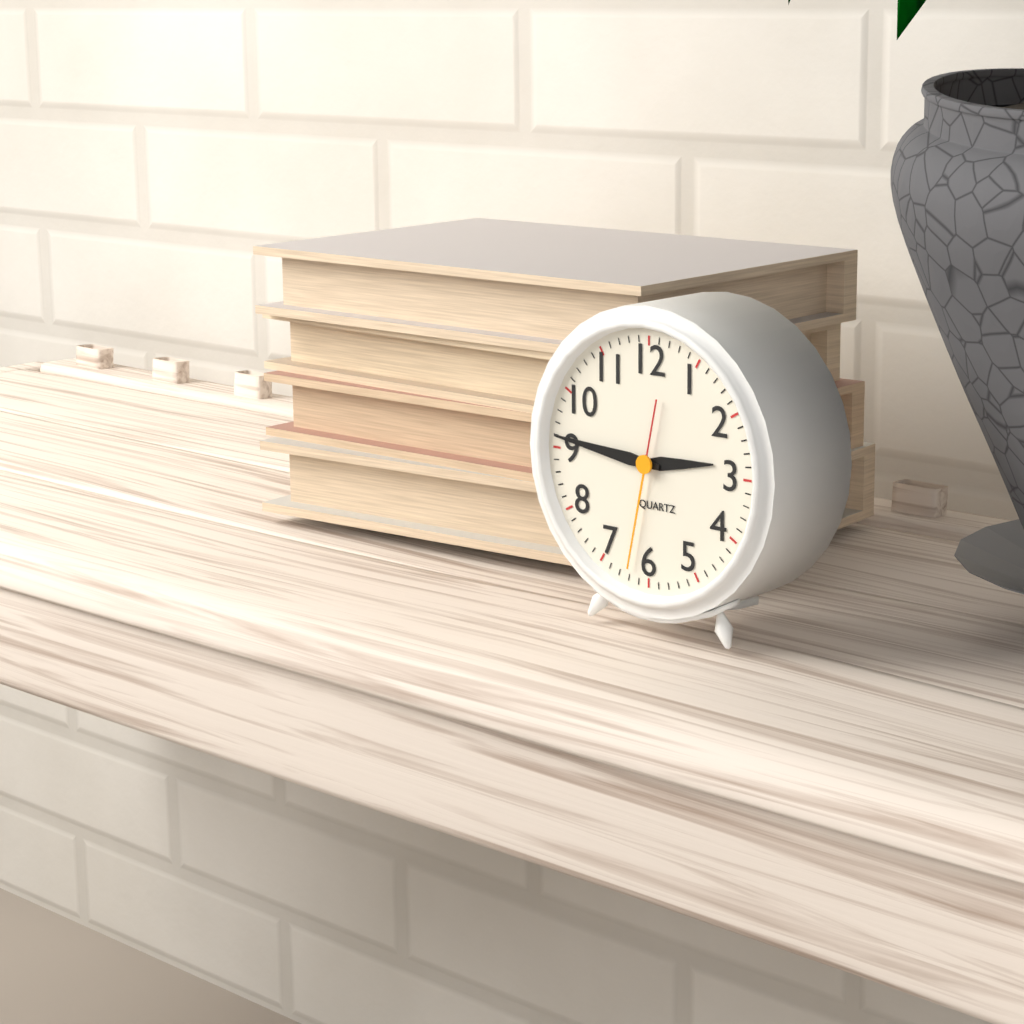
**2:46:32**
